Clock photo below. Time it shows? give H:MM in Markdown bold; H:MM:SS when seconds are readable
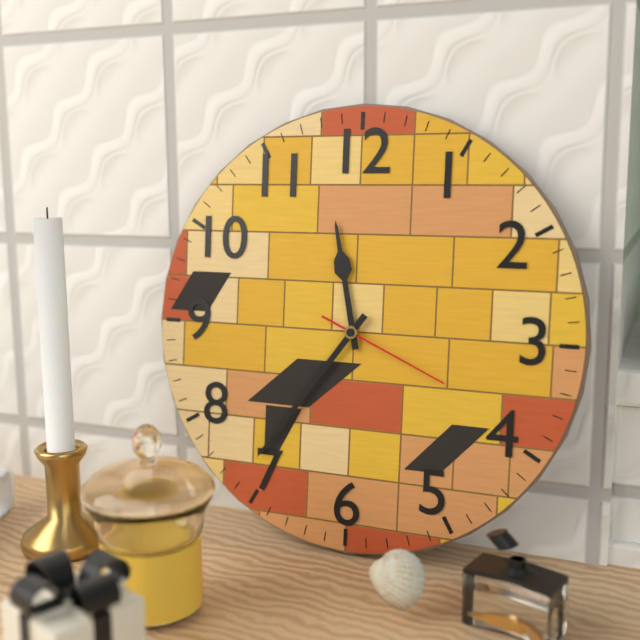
**11:36:19**
